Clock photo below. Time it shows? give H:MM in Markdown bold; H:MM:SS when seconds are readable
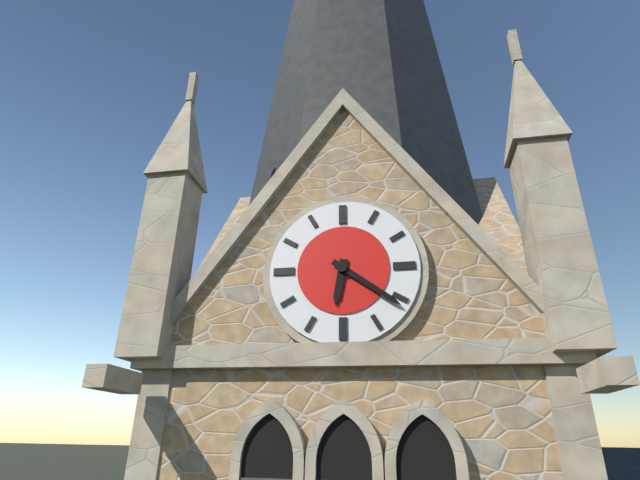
**6:21**
